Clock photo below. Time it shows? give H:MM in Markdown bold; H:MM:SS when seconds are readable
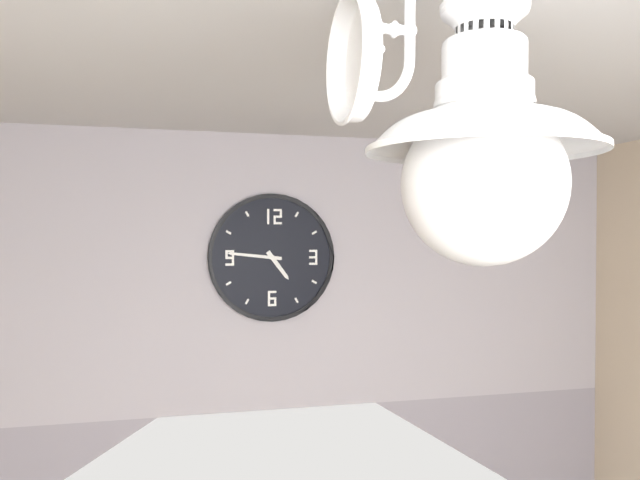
**4:46**
